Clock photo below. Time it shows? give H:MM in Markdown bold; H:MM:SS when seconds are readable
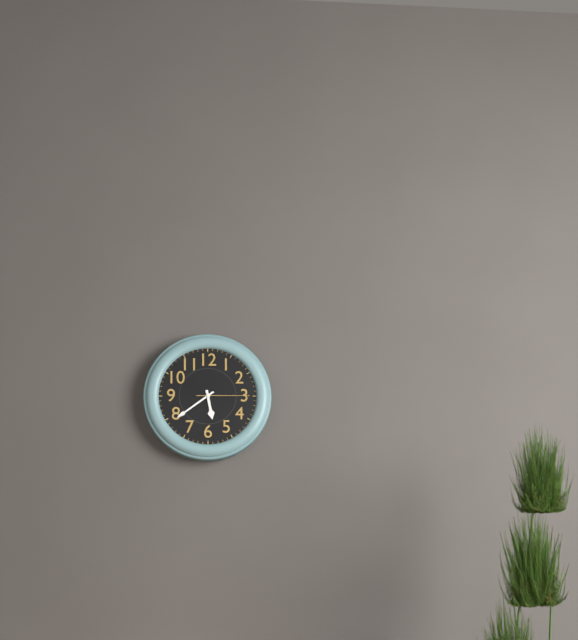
**5:39:15**
